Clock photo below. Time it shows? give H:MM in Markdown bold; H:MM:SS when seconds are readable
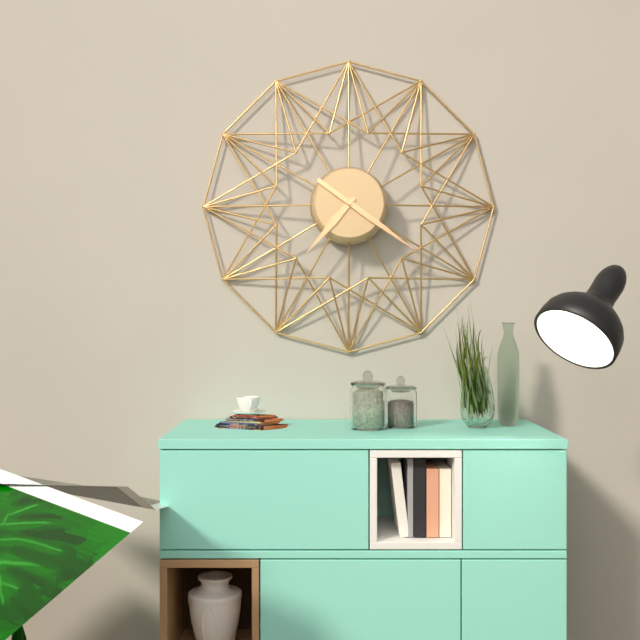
**7:21**
